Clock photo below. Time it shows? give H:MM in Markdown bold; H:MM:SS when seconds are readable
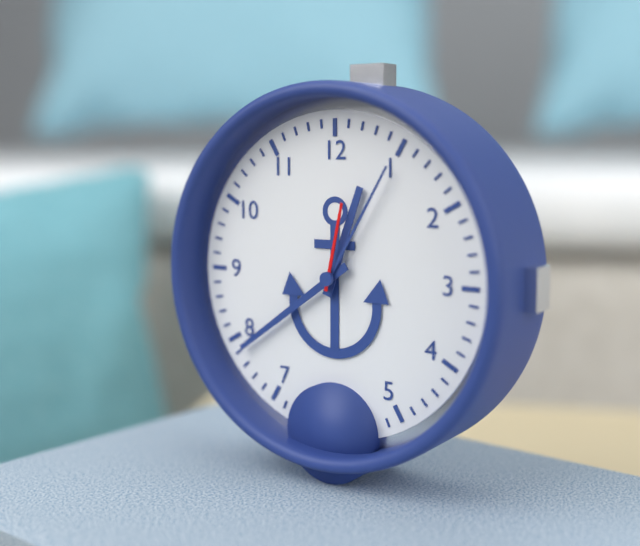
**12:39:02**
